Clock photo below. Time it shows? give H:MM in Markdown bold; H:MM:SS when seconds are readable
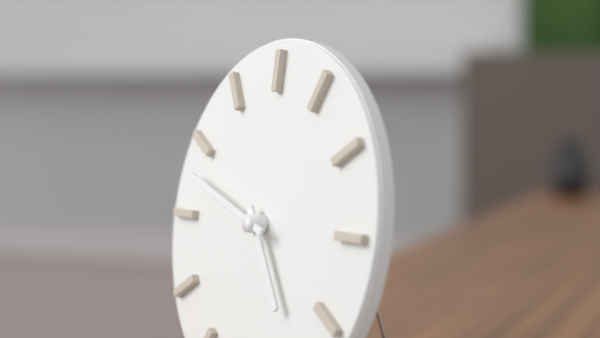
**4:48**
